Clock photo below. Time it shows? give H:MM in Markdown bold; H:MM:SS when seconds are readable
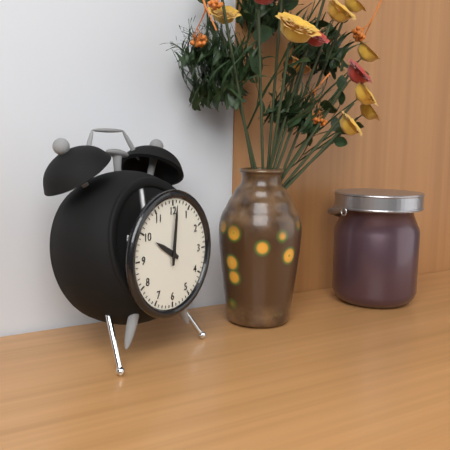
**10:01**
